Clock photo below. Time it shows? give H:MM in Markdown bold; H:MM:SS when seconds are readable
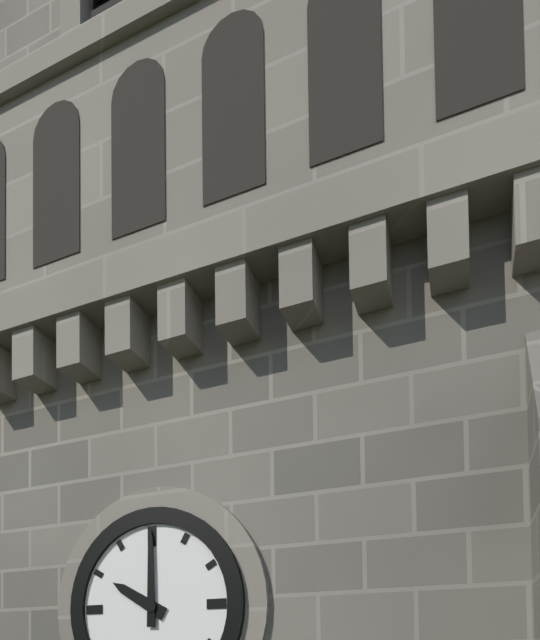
**10:00**
